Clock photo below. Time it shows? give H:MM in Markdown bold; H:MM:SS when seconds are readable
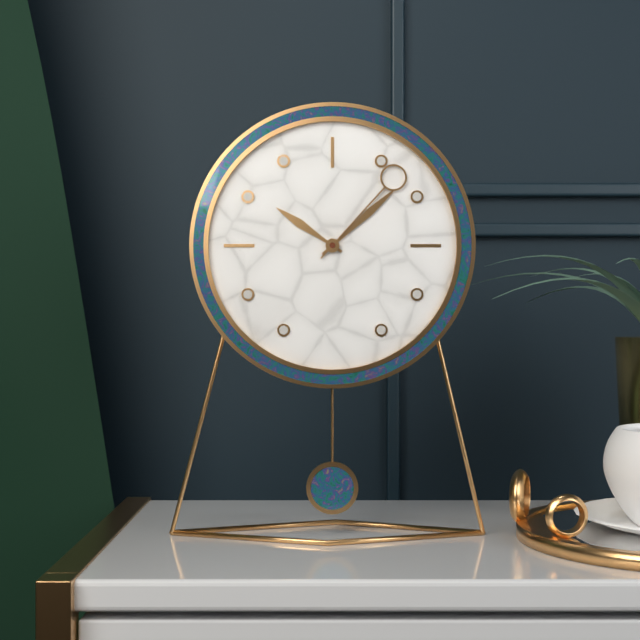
**10:08:07**
